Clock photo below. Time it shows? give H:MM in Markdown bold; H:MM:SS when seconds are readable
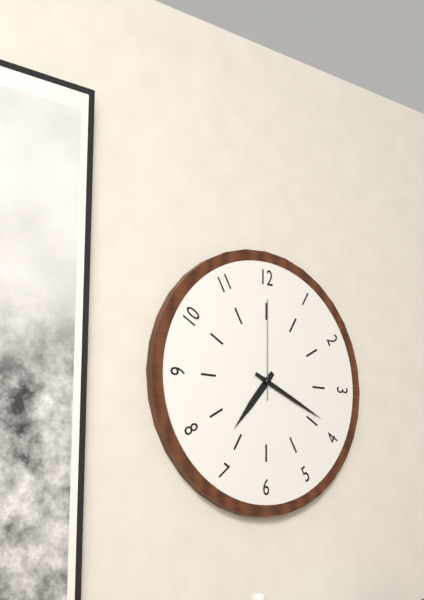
**7:19:00**
